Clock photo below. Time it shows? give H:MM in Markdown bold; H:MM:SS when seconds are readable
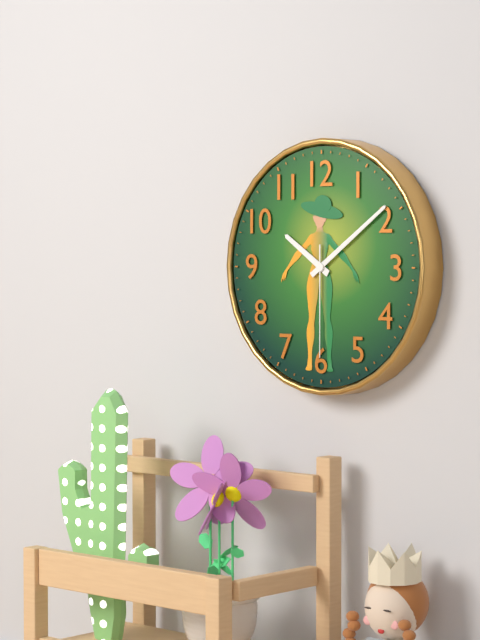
**10:09:30**
